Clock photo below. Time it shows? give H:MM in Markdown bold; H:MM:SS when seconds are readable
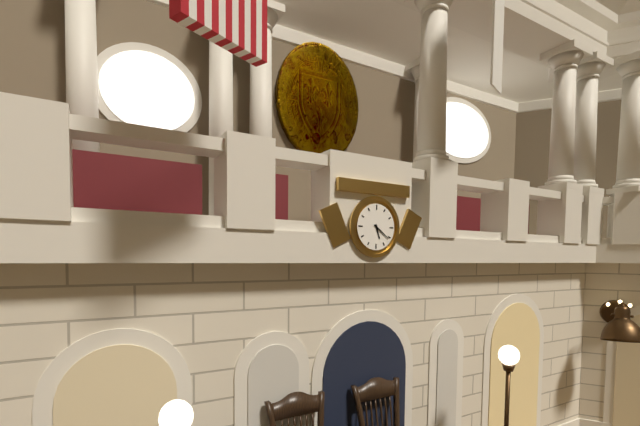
**5:21**
